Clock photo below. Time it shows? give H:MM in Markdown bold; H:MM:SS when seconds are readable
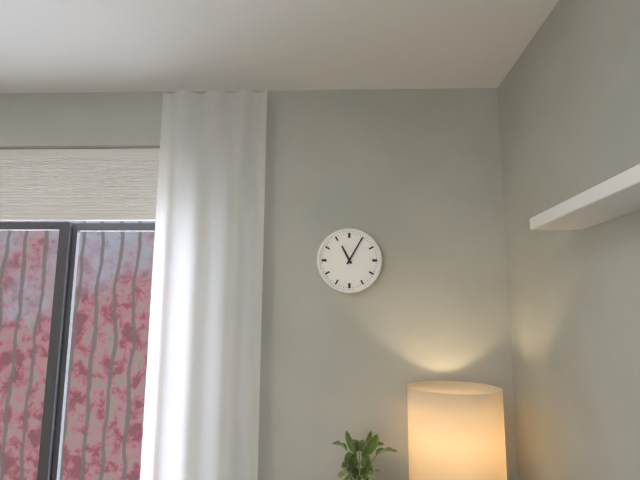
**11:05**
